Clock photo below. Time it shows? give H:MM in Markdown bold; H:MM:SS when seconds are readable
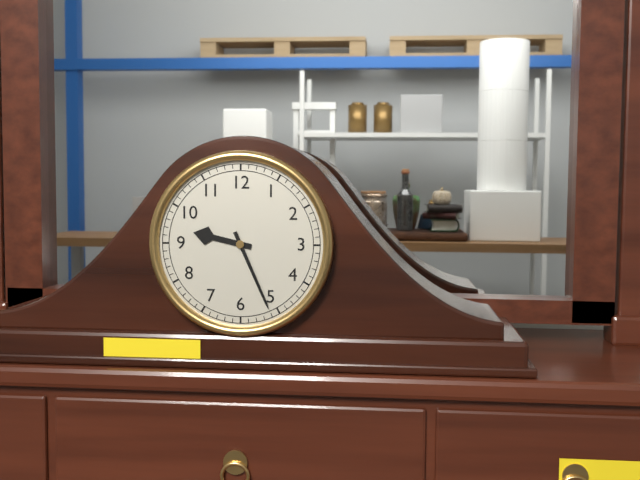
**9:26**
